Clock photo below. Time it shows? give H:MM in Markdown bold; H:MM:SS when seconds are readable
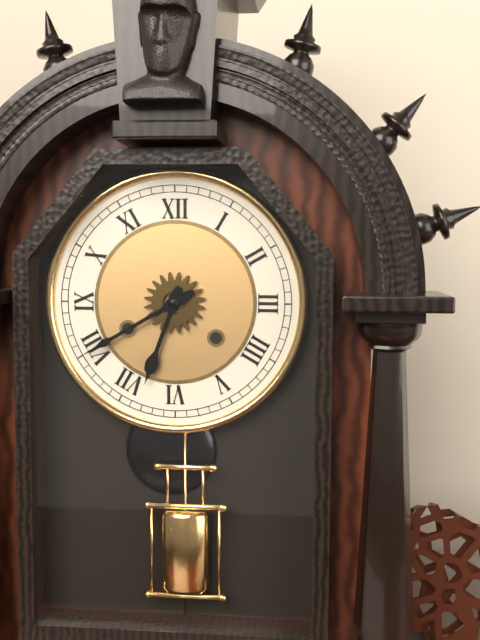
**6:40**
